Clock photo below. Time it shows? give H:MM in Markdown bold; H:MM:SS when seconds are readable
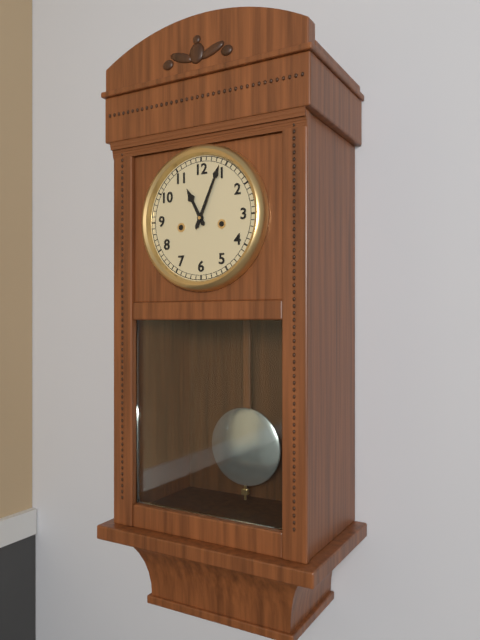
**11:04**
